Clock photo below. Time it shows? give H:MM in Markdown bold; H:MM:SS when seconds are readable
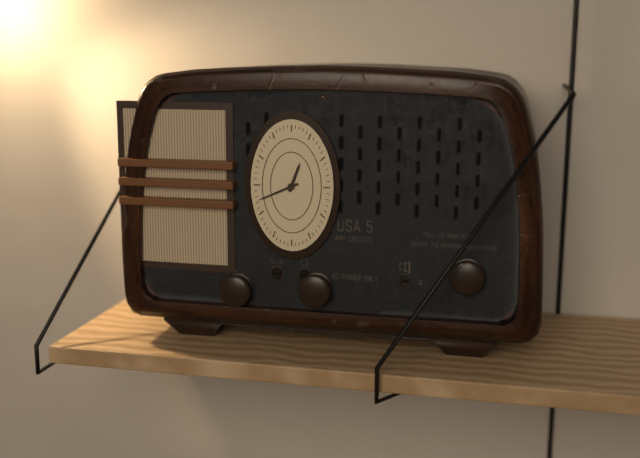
**12:41**
